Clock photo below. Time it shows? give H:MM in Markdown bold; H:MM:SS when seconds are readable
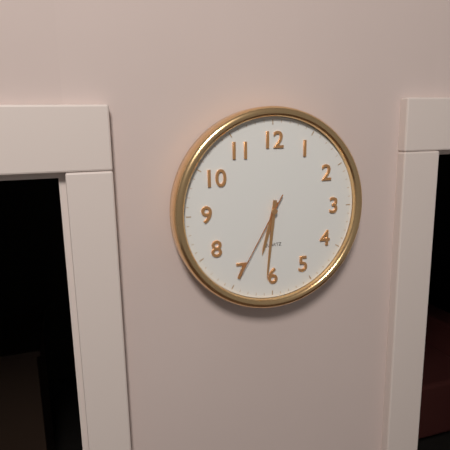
**6:31:35**
